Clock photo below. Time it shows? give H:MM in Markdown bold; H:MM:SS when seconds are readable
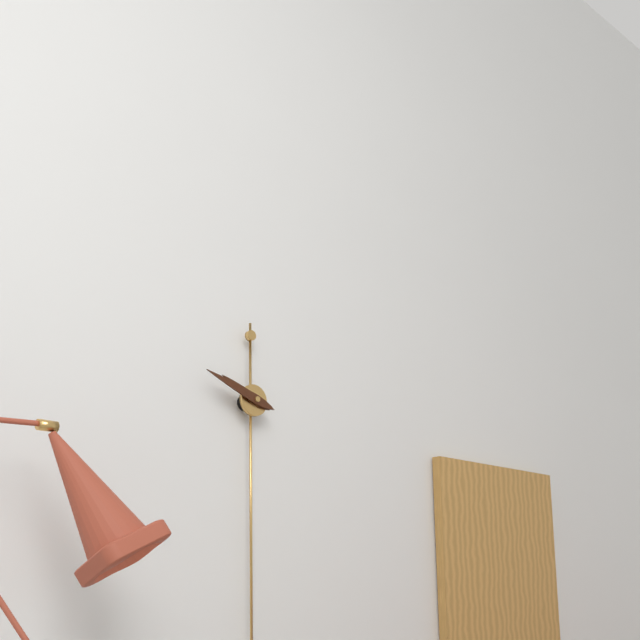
**9:48**
